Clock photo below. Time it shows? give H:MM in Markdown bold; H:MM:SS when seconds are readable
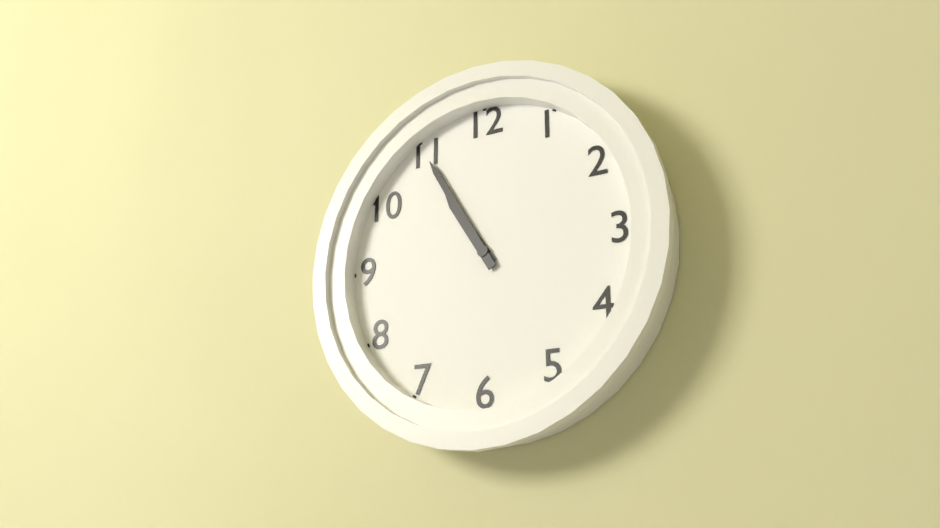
**10:55**
